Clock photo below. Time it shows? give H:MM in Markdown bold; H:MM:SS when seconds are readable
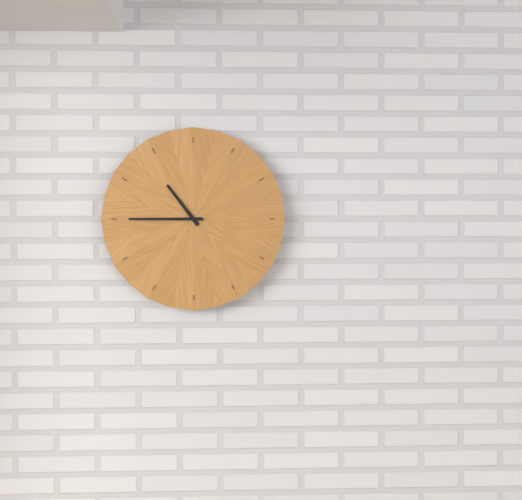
**10:45**
